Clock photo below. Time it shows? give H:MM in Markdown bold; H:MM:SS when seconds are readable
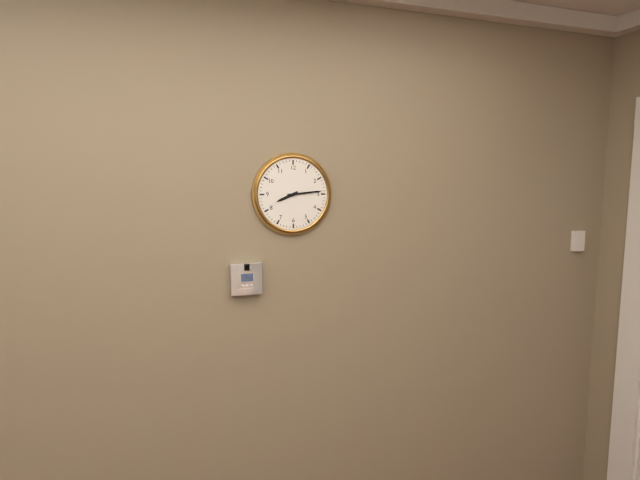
**8:14**
